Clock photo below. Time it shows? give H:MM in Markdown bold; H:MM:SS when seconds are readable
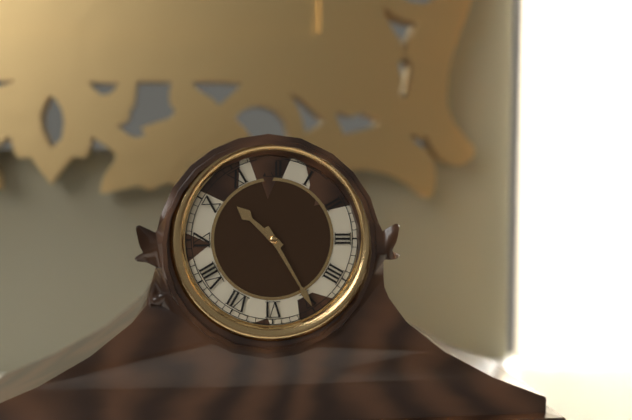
**10:25**
